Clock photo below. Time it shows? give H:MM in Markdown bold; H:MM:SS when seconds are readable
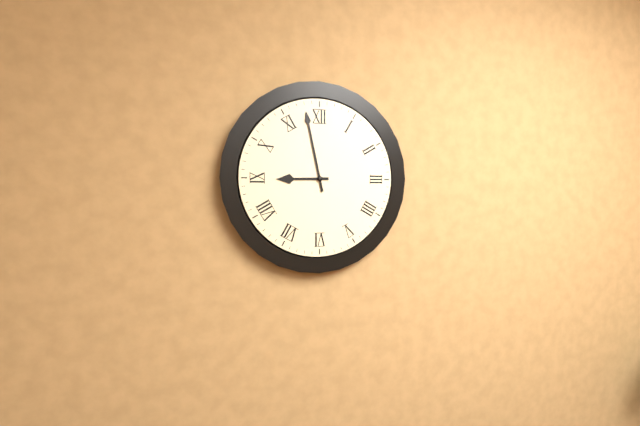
**8:58**
